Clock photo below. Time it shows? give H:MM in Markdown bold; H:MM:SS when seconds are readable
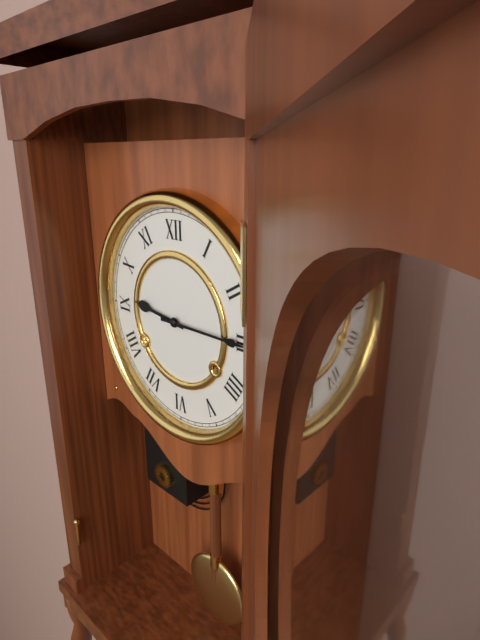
**9:15**
